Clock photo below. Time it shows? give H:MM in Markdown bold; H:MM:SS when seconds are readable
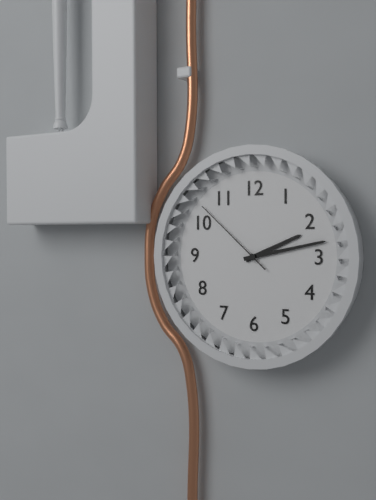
**2:13:52**
